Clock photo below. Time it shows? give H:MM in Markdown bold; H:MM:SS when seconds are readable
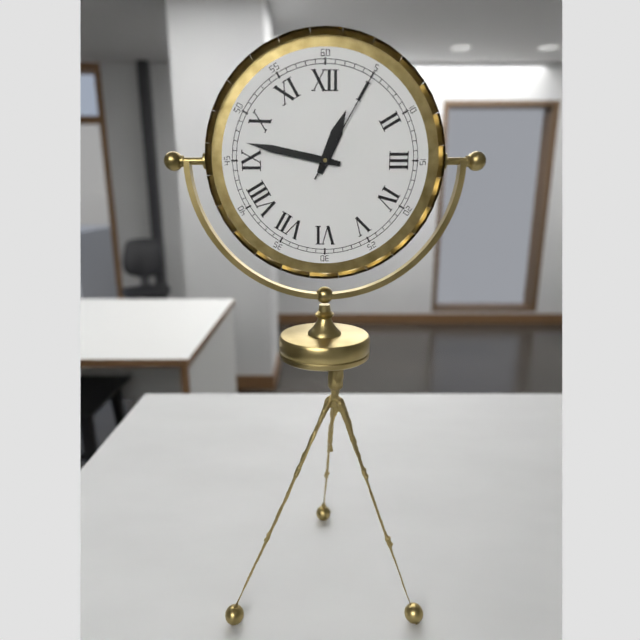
**12:47:05**
